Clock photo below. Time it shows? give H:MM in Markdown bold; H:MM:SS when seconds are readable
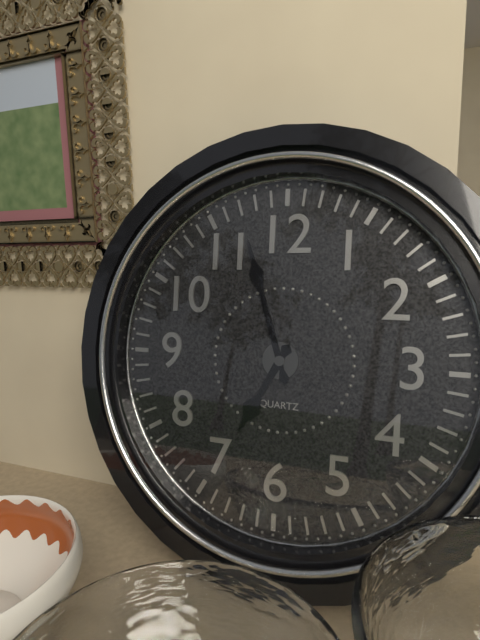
**6:57**
